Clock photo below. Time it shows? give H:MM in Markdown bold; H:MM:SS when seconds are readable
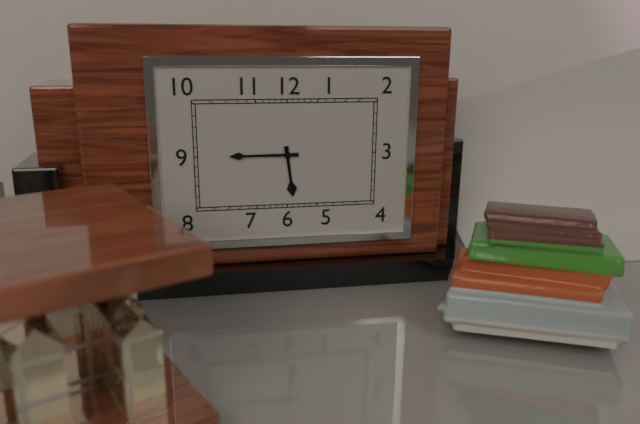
**5:45**
